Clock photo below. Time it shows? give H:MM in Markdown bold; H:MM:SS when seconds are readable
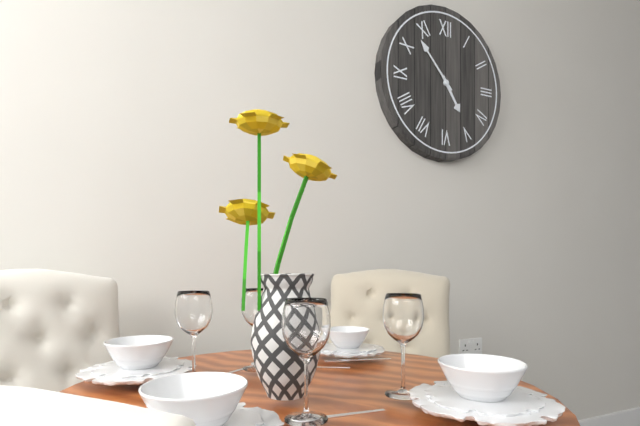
**4:53**
